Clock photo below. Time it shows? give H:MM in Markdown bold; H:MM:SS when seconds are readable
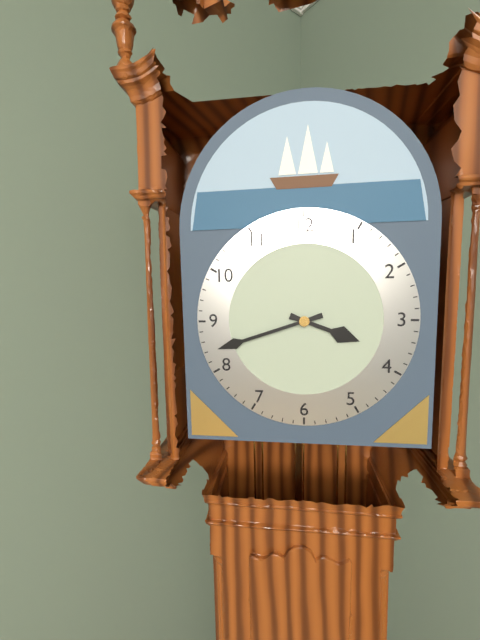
**3:42**
